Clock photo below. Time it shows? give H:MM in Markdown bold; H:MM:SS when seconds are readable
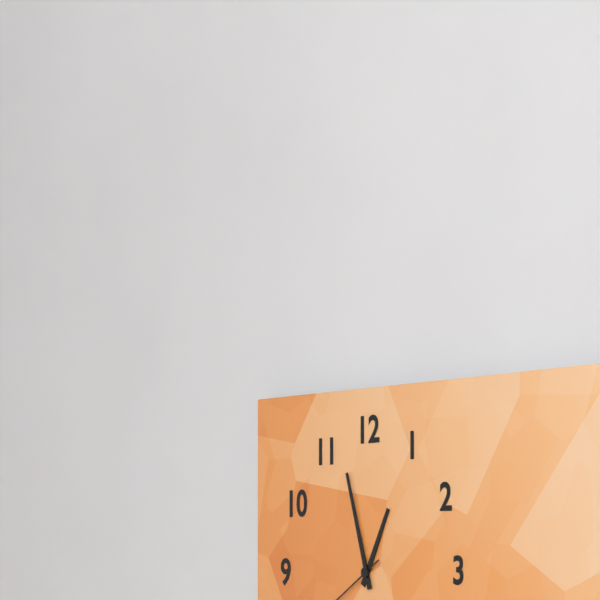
**12:57**
